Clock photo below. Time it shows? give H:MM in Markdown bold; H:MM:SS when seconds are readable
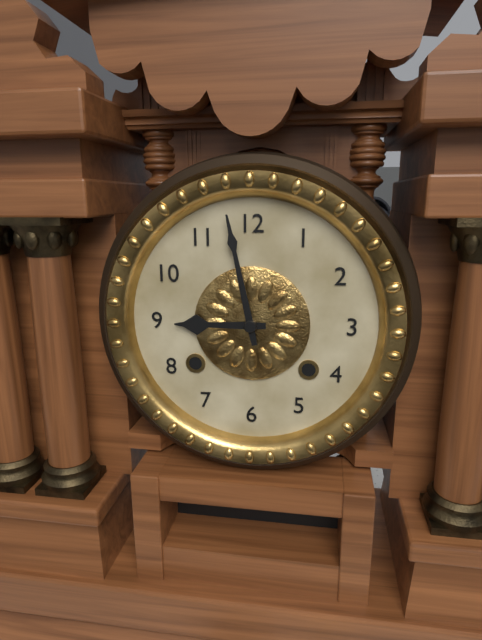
**8:58**
